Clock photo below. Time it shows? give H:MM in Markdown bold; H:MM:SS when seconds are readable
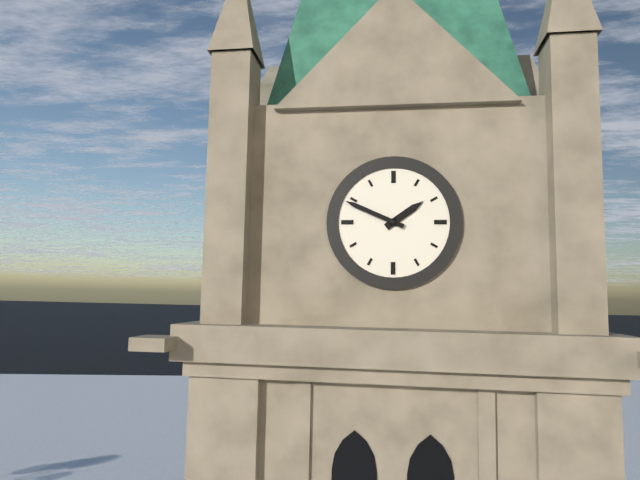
**1:49**
